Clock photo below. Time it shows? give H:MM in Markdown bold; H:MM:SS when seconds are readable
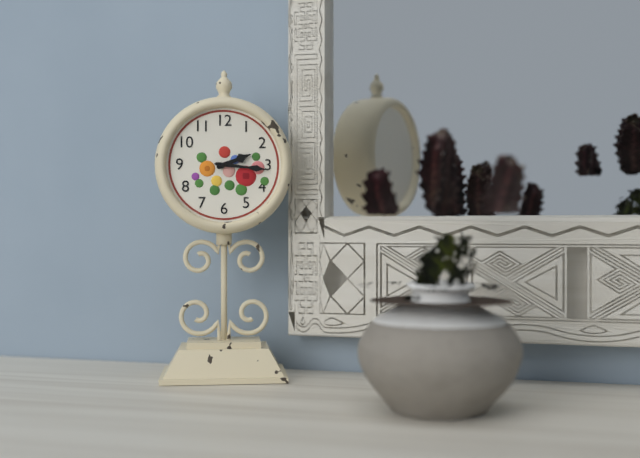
**2:16**
